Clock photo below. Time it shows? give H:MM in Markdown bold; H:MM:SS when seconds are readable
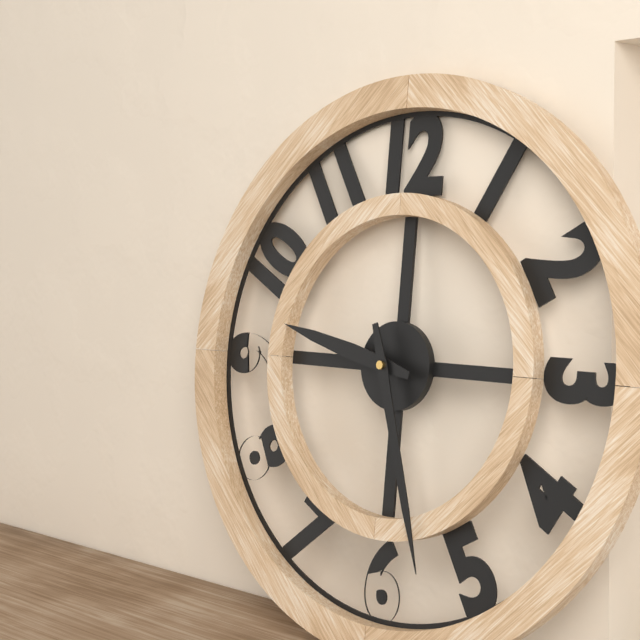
**9:27**
